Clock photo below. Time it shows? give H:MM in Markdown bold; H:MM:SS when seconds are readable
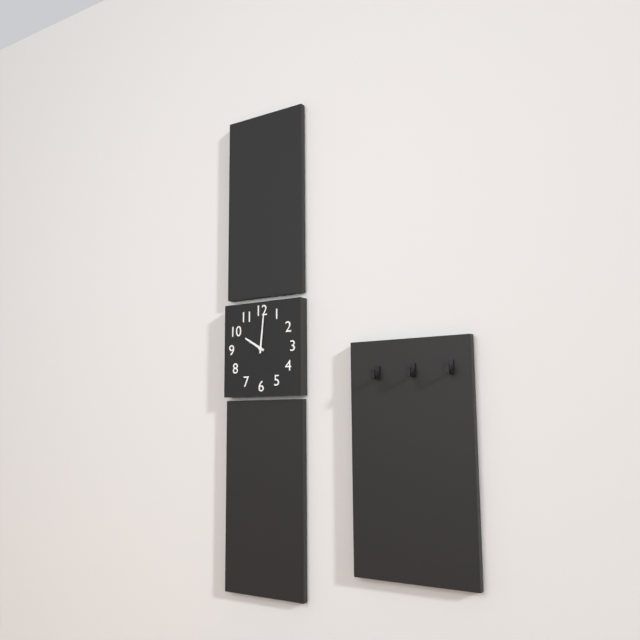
**10:01**
